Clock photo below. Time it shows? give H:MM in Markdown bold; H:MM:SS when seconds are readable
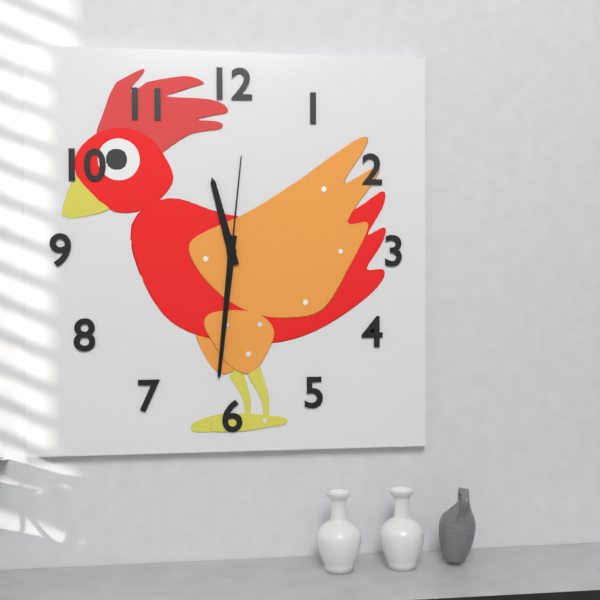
**11:31:01**
